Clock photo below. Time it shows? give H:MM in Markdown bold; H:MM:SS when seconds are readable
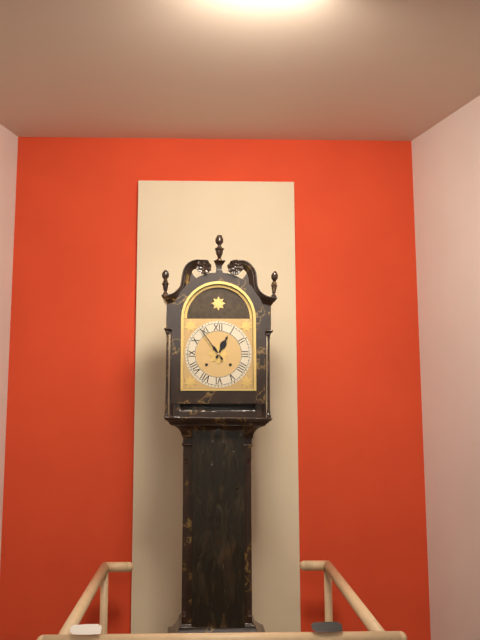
**12:54**
